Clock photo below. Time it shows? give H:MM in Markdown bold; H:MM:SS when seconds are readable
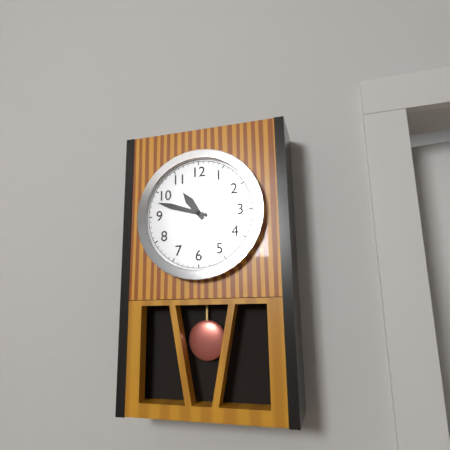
**10:48**
